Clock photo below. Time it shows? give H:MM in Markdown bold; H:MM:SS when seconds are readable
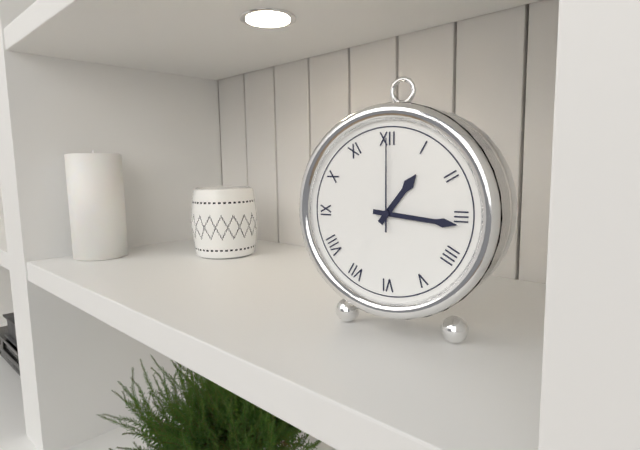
**1:16:00**
